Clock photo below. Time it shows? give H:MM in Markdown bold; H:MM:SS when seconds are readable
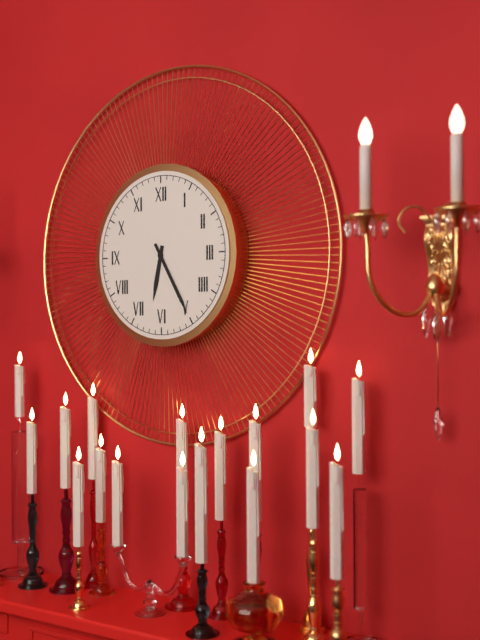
**6:25**
